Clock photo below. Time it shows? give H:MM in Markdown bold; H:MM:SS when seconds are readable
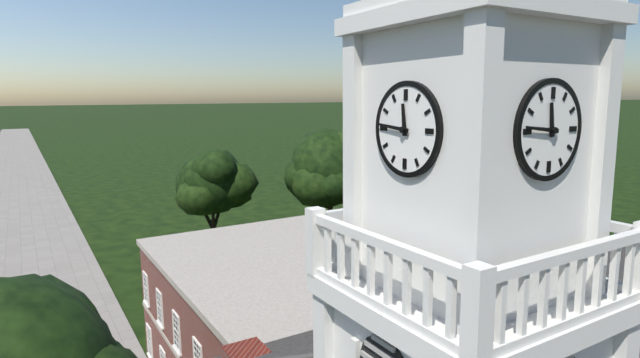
**11:46**
